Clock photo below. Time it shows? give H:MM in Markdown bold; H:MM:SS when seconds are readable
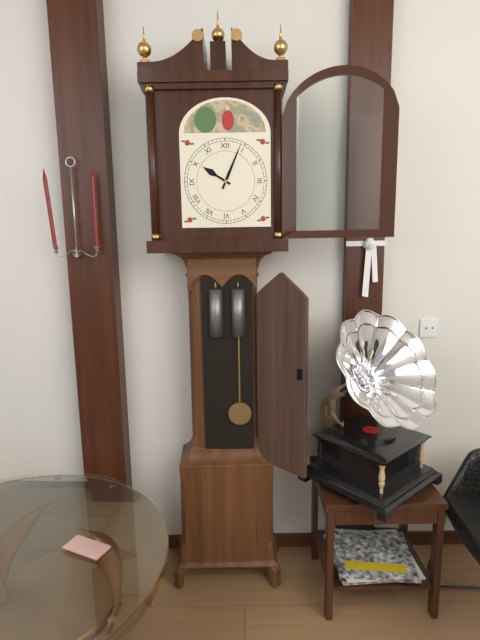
**10:04**
